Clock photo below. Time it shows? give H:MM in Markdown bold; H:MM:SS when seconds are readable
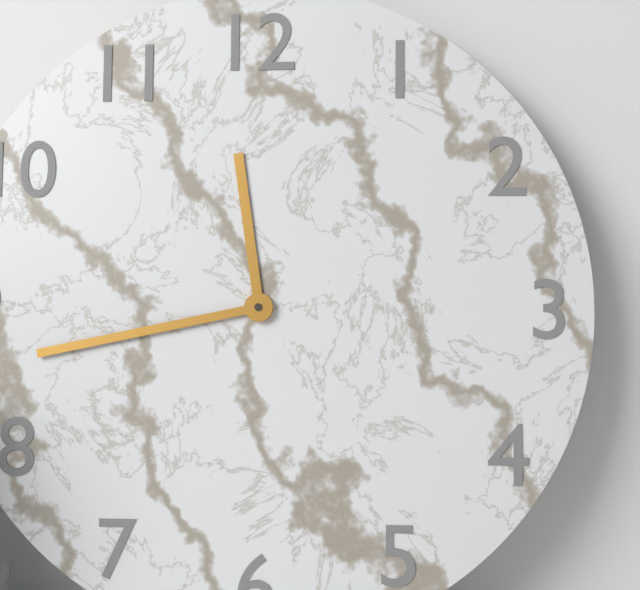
**11:43**
